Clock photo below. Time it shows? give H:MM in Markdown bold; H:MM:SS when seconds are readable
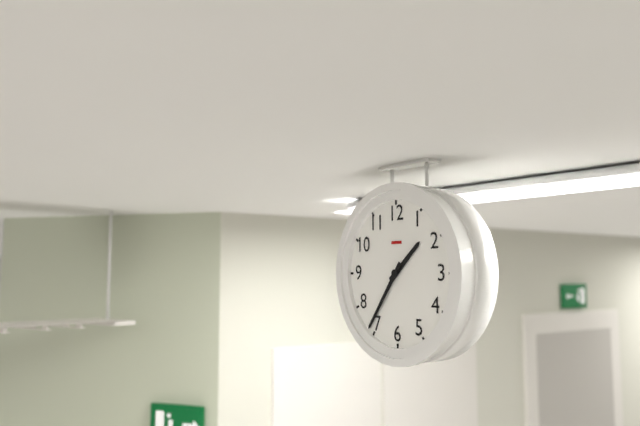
**1:36**
